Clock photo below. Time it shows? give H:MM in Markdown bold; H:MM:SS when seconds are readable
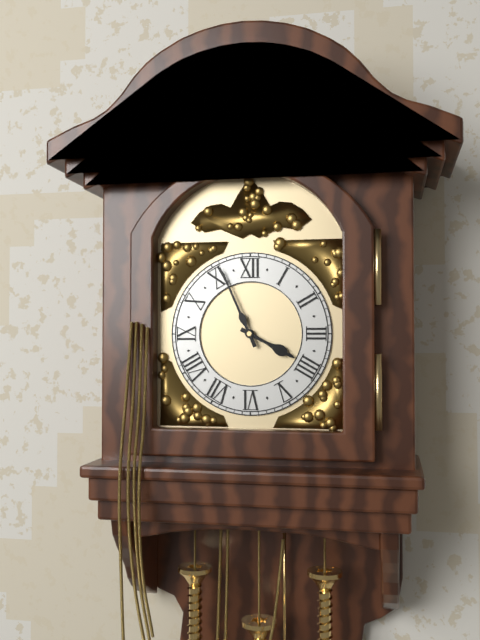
**3:56**
